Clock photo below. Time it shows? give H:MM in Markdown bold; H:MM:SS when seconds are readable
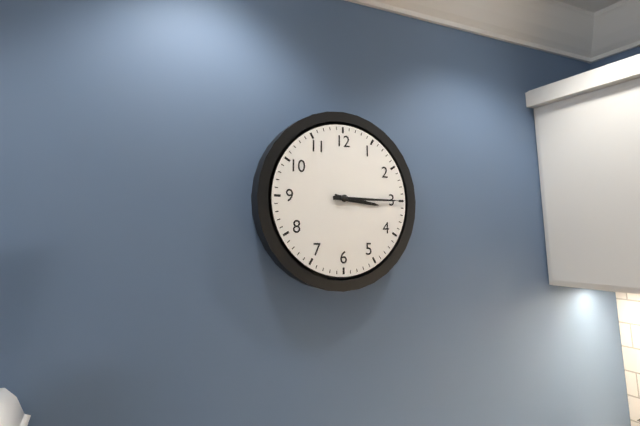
**3:15**
